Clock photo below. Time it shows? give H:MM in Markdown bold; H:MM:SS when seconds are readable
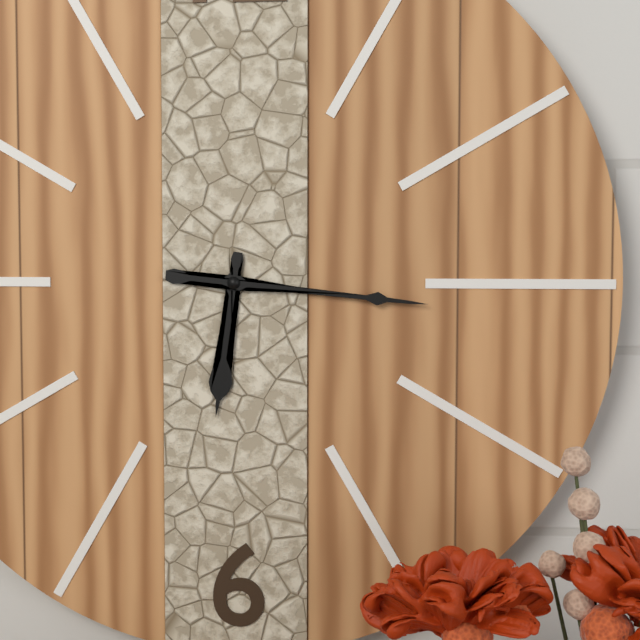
**6:16**
